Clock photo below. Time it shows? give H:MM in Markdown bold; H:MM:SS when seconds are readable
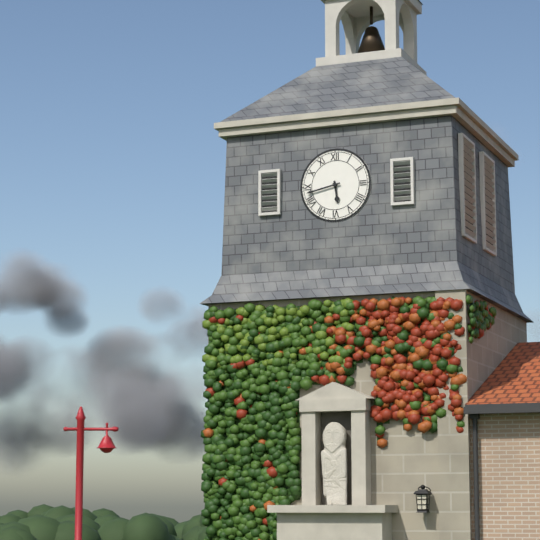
**5:43**
